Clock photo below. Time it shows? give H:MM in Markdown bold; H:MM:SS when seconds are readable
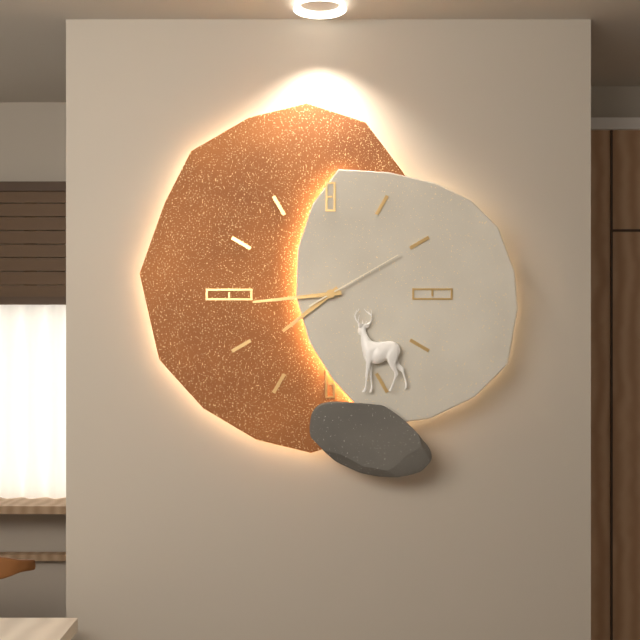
**7:44:10**
